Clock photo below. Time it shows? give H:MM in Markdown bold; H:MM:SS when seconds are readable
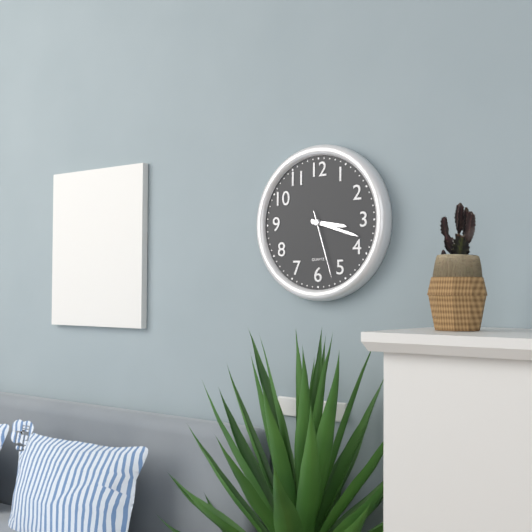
**3:18:27**
